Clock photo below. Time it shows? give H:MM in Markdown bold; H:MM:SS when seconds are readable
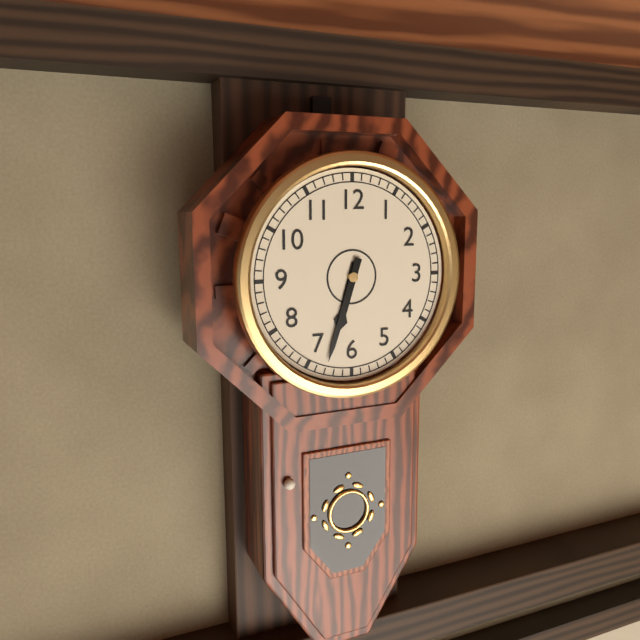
**6:33**
